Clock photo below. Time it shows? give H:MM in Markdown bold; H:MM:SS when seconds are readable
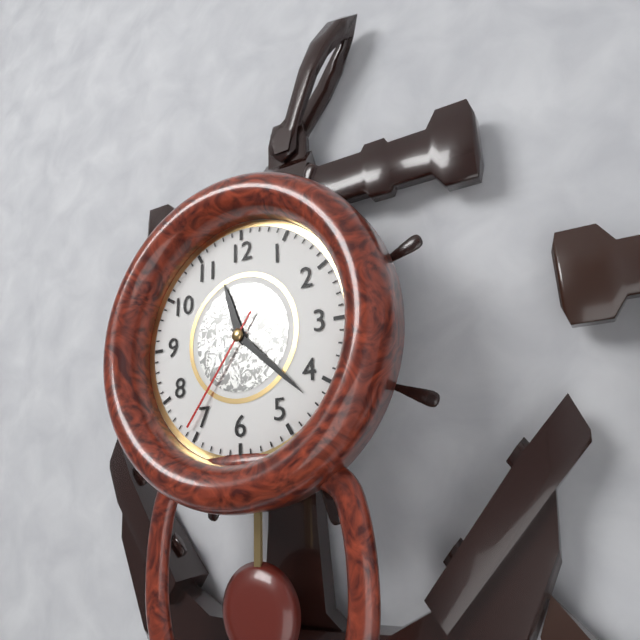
**11:22:36**
